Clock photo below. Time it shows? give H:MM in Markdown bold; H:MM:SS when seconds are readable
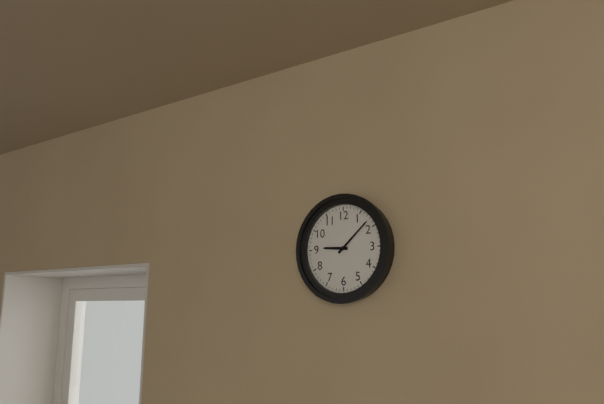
**9:08**
